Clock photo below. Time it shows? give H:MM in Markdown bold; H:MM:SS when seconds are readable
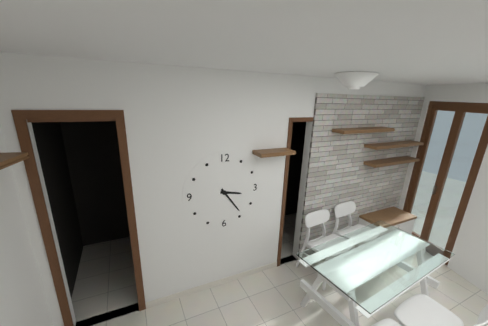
**3:24**
